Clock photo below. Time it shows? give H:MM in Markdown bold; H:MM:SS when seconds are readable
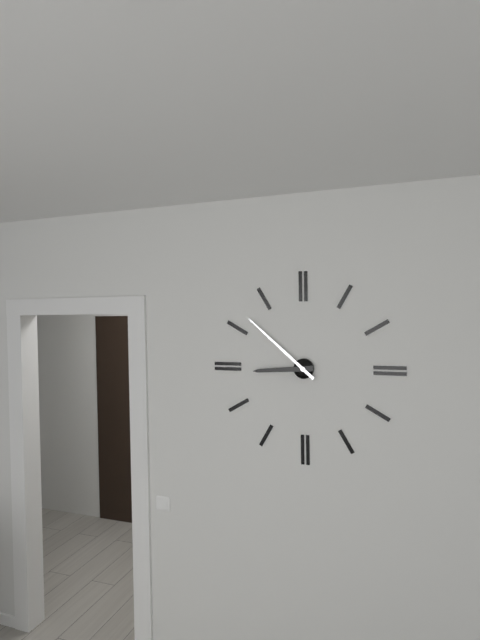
**8:52**
